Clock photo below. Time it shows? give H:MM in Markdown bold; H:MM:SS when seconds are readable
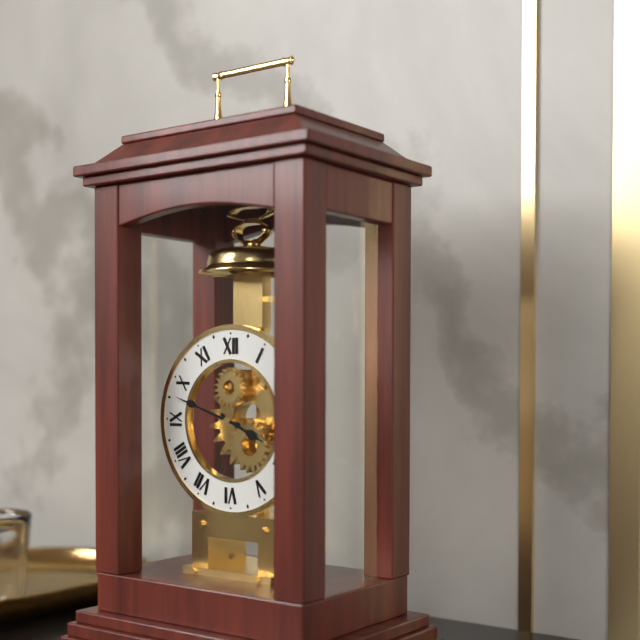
**3:48**
